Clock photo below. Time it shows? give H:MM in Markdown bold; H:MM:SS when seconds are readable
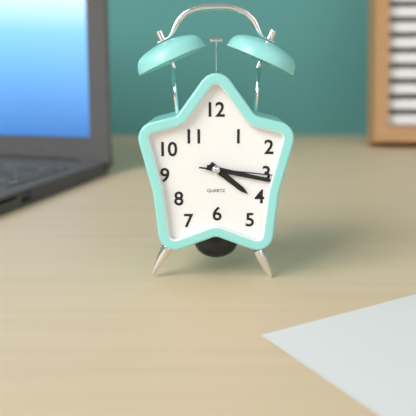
**4:17:16**
